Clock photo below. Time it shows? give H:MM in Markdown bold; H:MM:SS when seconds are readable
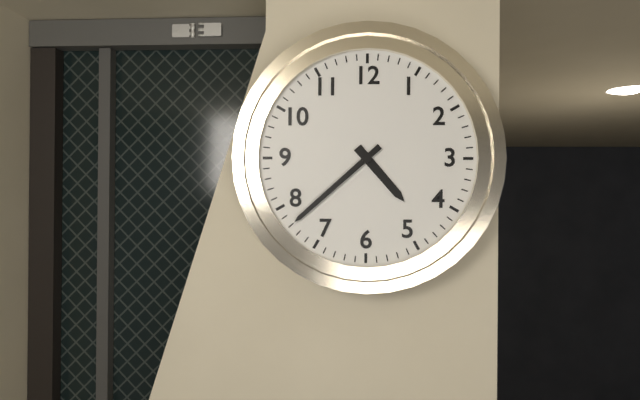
**4:38**
